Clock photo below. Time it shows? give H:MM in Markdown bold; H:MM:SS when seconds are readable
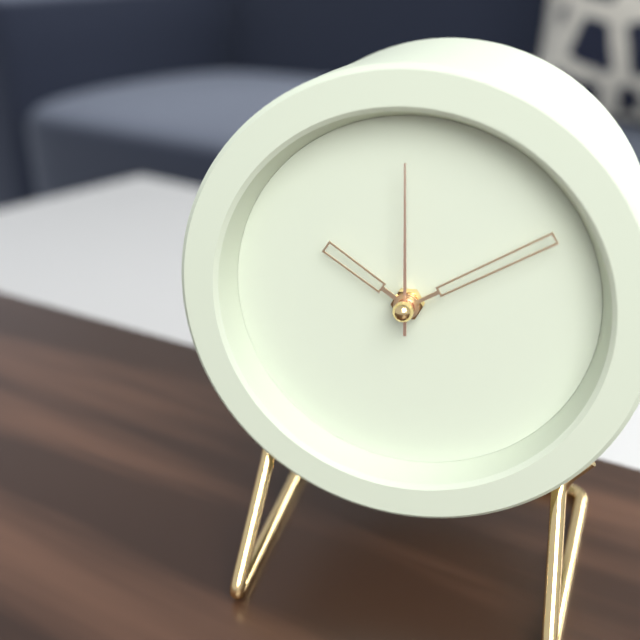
**10:10:00**
